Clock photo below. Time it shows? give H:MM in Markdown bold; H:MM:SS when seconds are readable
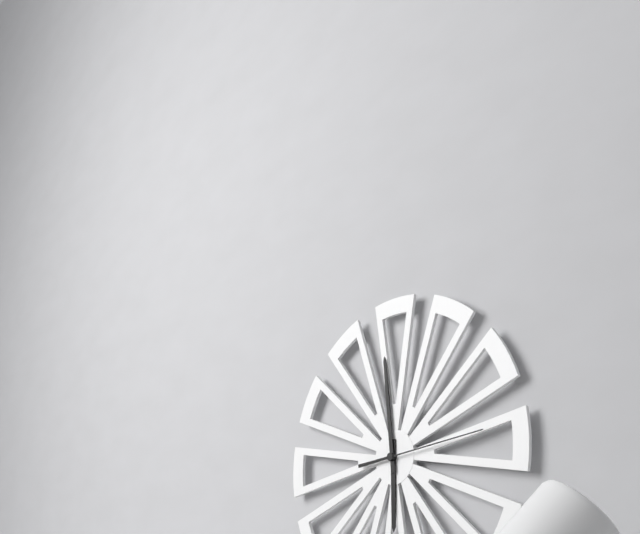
**5:59:14**
